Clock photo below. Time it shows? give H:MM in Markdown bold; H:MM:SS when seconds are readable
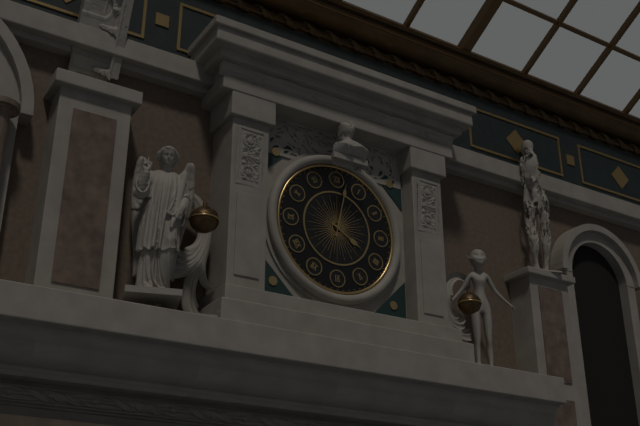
**4:02**
